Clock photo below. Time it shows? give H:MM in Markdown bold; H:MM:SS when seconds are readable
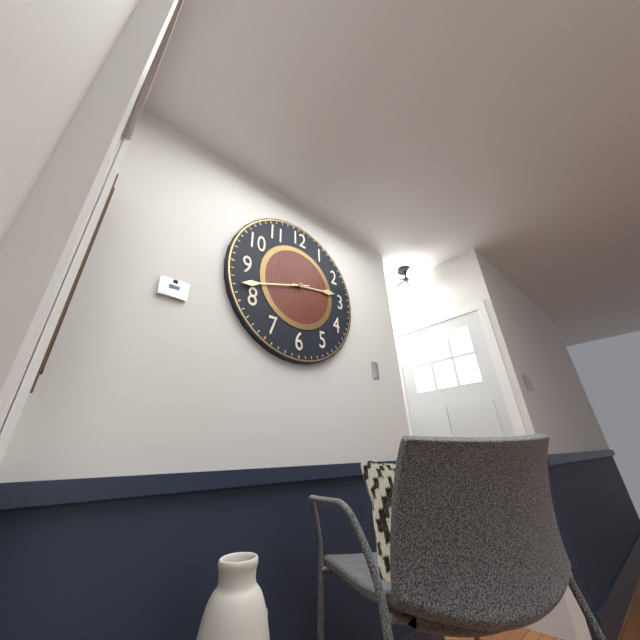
**2:42**
